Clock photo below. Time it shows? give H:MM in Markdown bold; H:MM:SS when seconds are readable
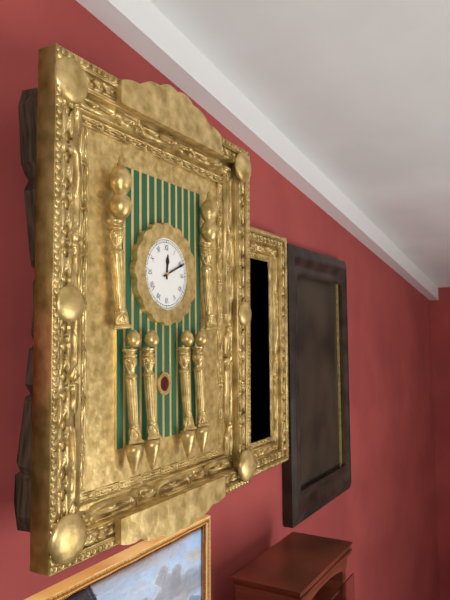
**12:11**
